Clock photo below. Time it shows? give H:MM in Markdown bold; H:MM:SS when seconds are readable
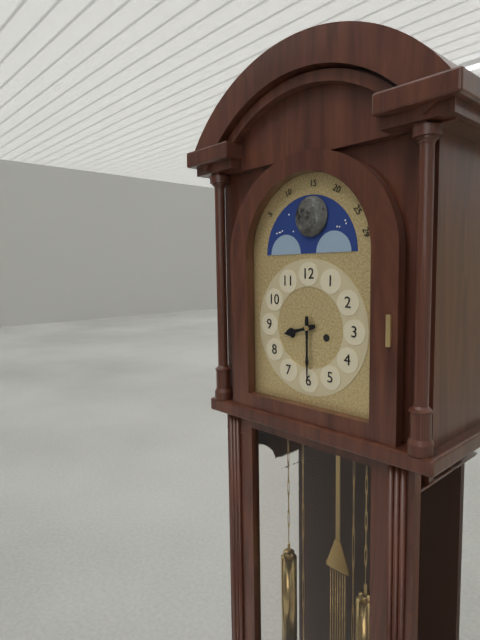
**8:30**
